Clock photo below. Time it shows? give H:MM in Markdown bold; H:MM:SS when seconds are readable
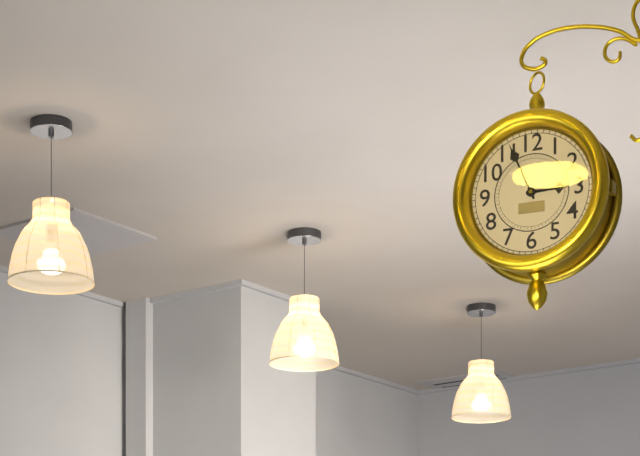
**2:56**
